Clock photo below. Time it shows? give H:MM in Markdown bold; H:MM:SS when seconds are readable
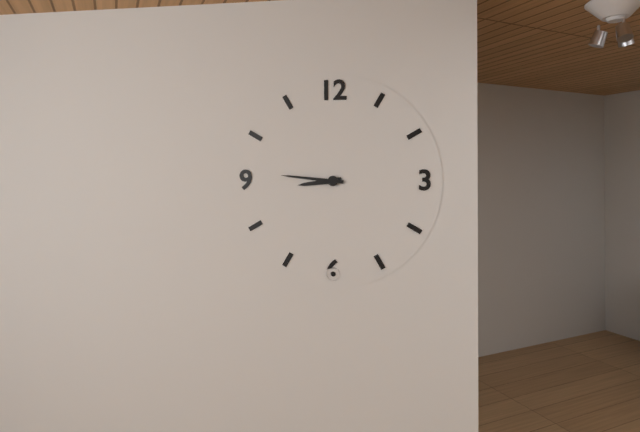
**8:46**
